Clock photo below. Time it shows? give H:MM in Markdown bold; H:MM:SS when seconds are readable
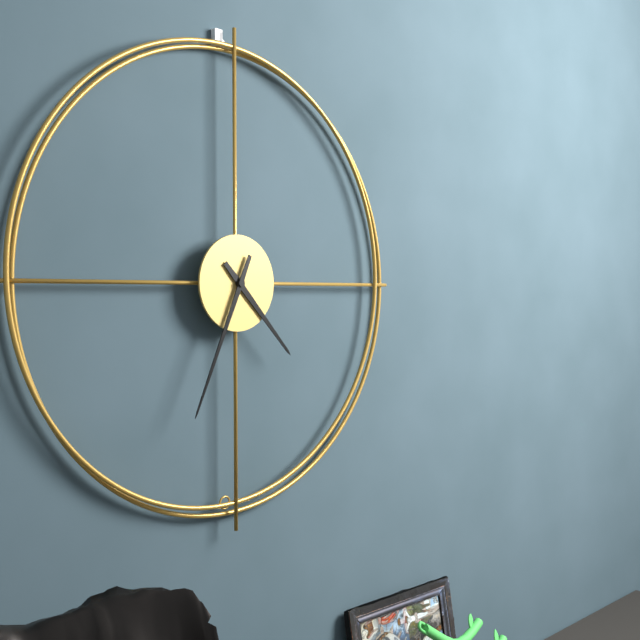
**4:34**
